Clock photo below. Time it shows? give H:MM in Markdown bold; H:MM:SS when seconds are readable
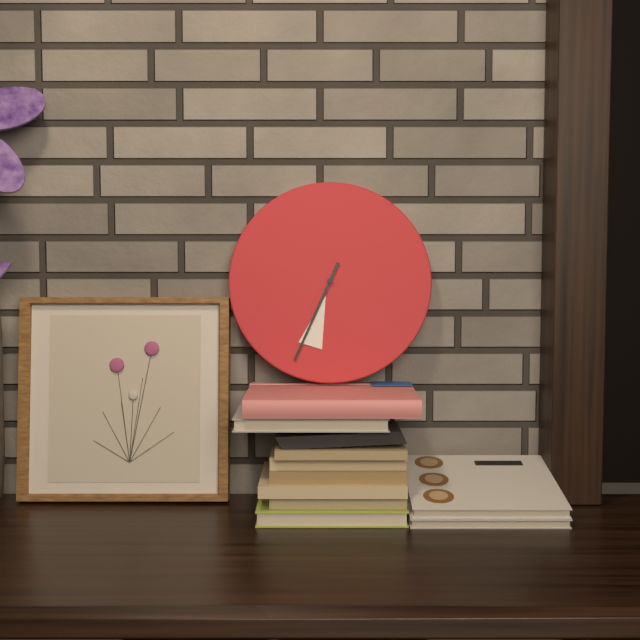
**6:34**
